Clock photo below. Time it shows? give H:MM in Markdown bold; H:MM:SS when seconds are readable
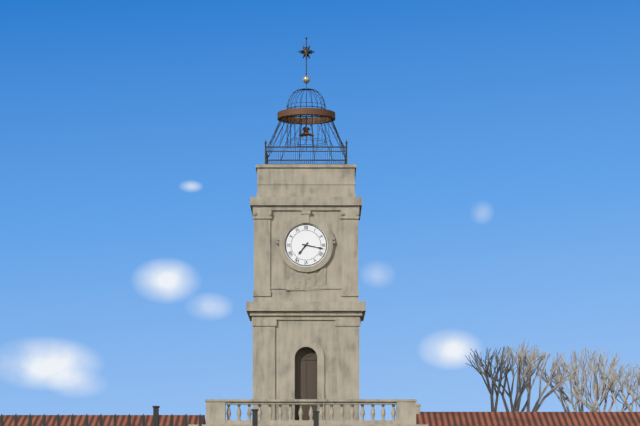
**7:17**
